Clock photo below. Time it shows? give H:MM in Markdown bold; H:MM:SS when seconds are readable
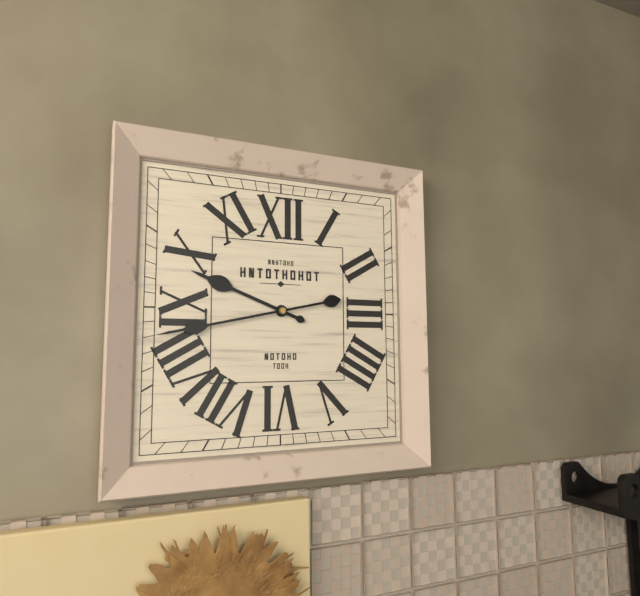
**9:43**
